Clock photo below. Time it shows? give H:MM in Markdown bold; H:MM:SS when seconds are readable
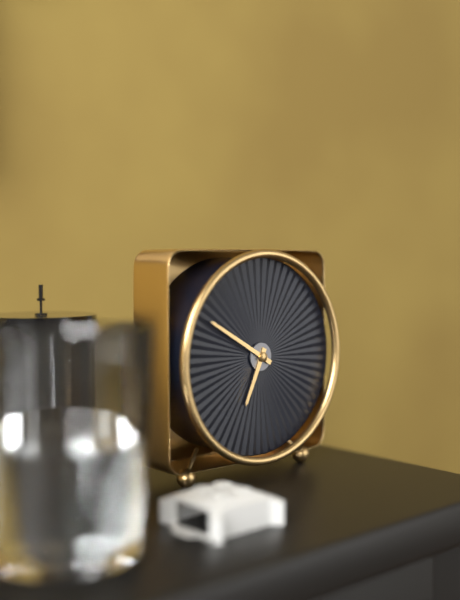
**6:50**
